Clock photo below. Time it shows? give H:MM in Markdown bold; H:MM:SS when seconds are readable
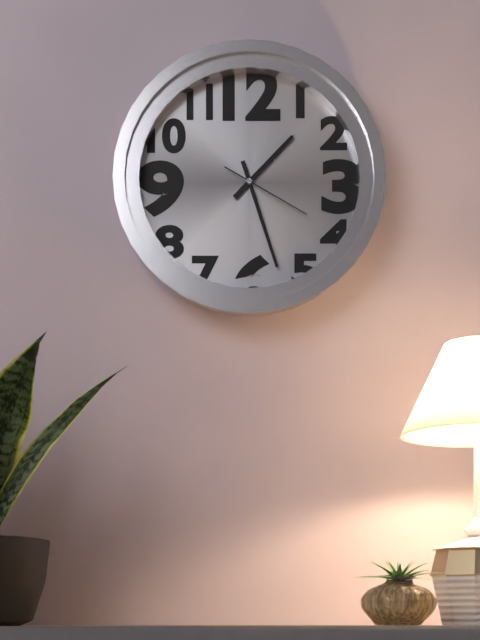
**1:27:20**
